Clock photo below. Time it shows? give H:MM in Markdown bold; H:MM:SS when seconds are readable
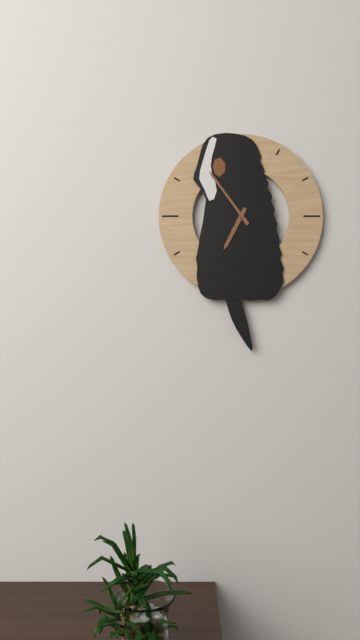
**6:54**
